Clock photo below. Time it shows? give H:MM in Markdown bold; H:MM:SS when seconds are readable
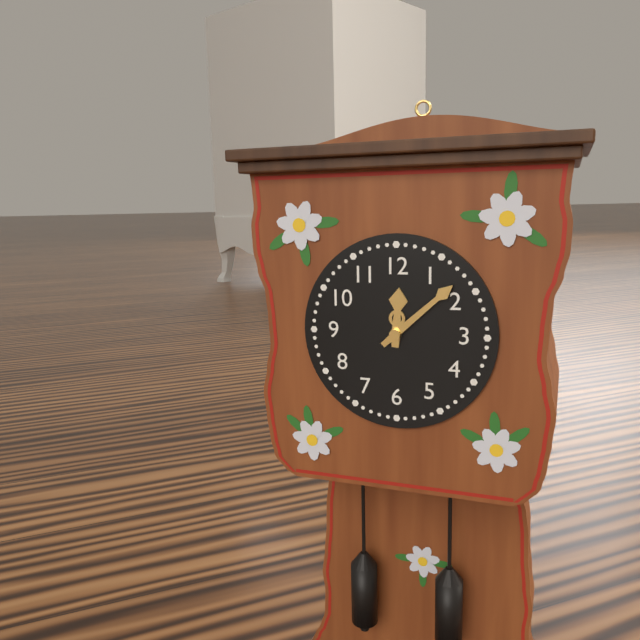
**12:08**
